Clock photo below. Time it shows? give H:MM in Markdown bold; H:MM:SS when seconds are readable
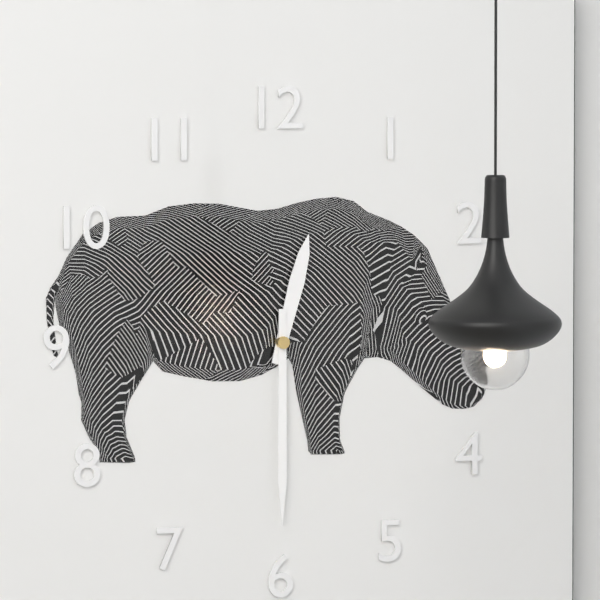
**12:30**
